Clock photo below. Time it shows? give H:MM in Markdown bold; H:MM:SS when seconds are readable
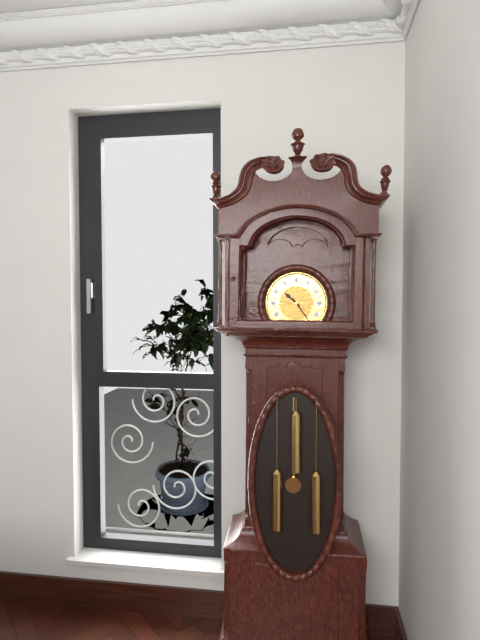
**10:24**
